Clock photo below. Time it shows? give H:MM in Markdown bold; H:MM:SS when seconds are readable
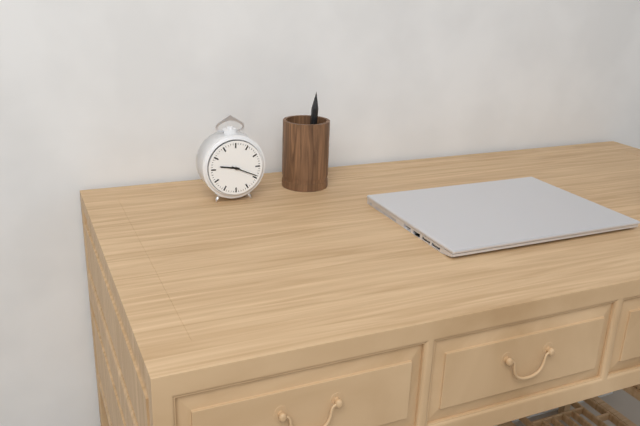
**9:19**
